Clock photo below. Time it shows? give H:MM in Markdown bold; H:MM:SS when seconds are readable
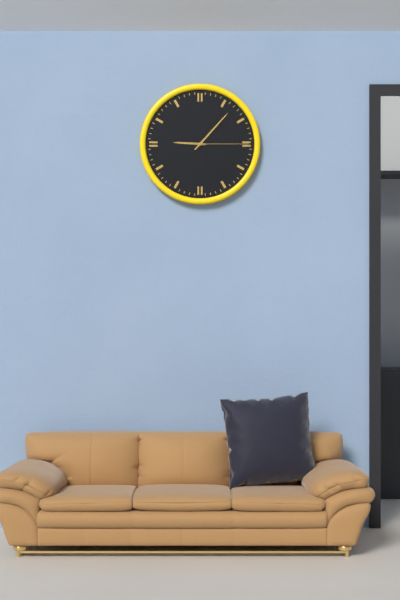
**9:07:15**
